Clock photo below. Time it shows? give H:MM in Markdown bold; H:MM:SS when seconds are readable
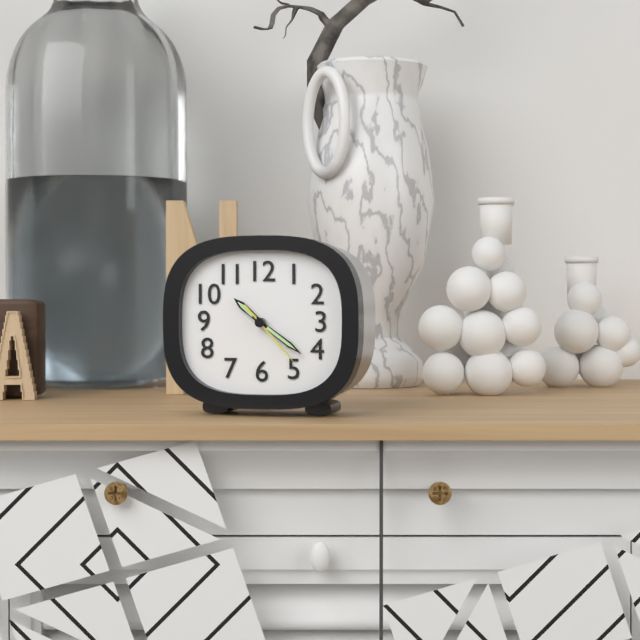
**10:21:23**
